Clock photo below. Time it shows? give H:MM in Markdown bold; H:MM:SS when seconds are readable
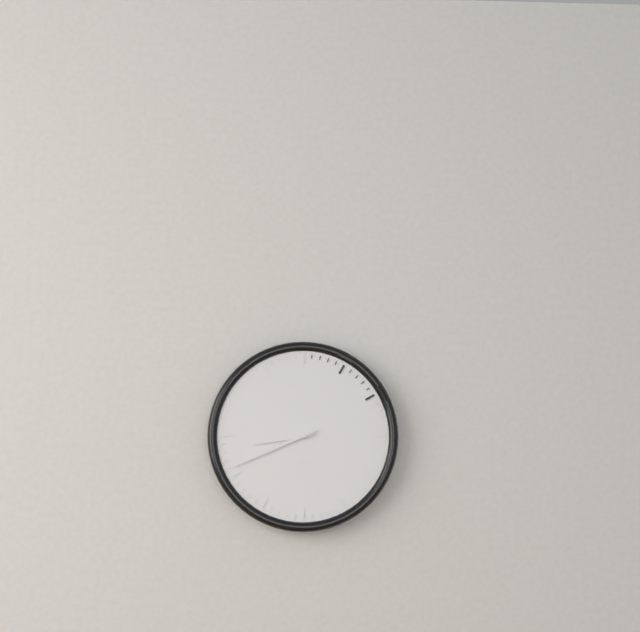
**8:41**
